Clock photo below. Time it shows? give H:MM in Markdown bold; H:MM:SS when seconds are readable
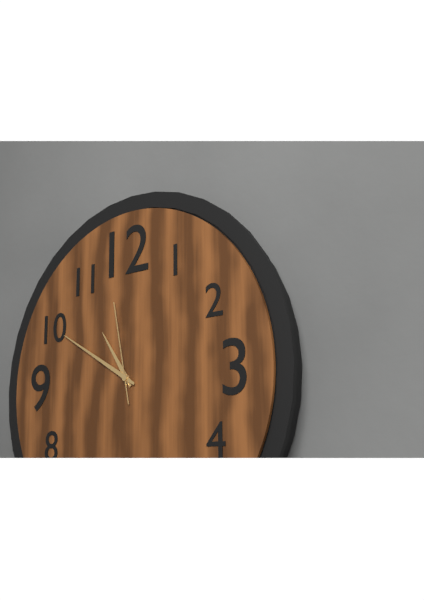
**10:50:58**
